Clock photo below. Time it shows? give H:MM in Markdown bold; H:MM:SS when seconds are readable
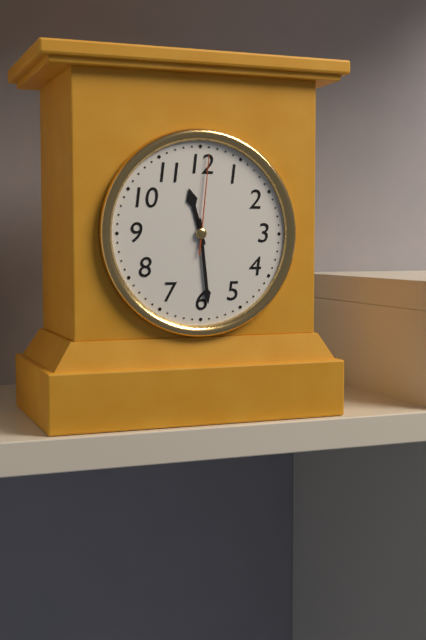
**11:29:01**
